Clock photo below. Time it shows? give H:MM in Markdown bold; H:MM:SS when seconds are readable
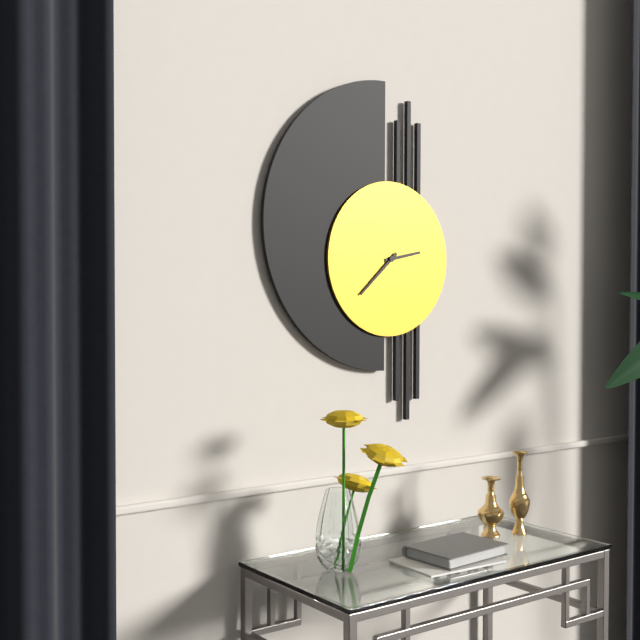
**2:38**
